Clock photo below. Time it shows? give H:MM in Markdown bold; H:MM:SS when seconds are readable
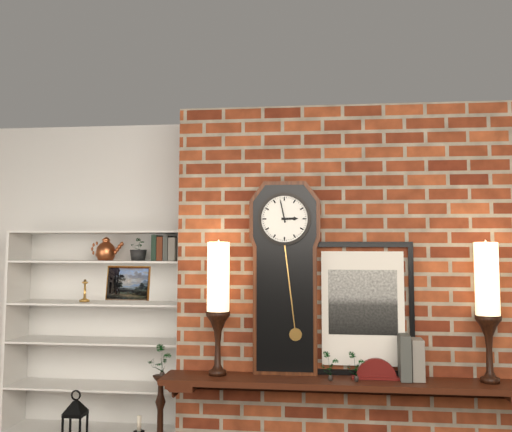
**2:58**
